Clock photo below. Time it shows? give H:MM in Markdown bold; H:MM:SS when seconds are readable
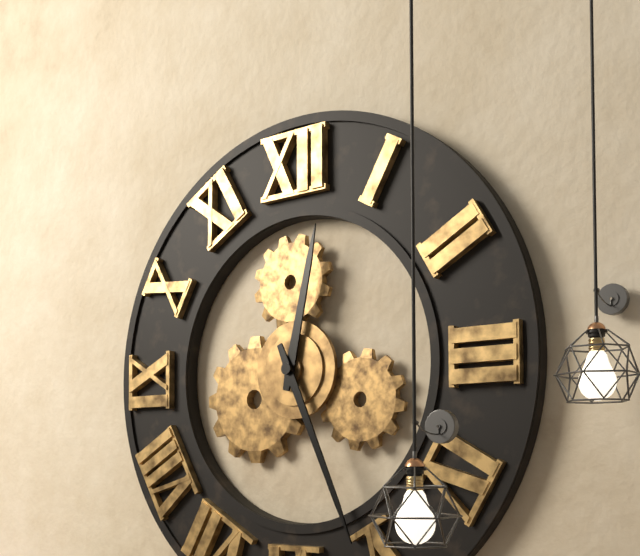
**12:26**
